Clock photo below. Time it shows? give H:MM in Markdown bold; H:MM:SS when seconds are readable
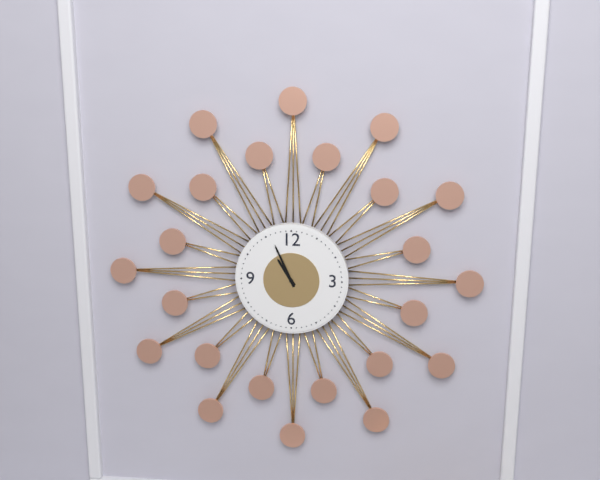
**10:56**
